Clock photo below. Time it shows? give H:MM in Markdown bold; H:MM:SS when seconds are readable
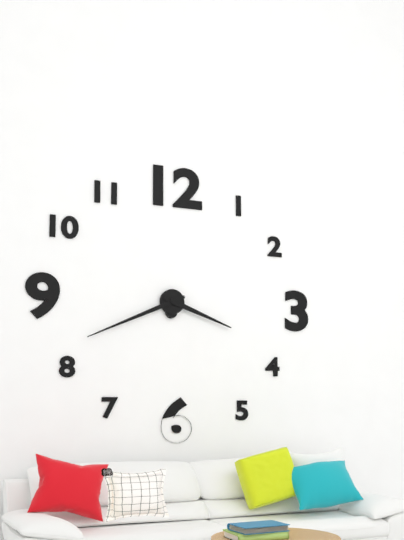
**3:41**
